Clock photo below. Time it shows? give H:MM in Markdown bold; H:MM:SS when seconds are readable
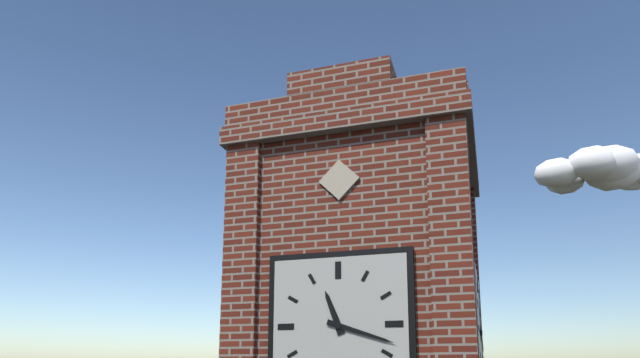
**11:18**
